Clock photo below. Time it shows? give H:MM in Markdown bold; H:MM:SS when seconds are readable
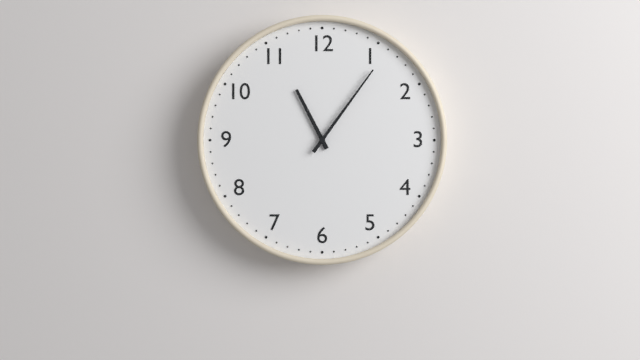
**11:06**
